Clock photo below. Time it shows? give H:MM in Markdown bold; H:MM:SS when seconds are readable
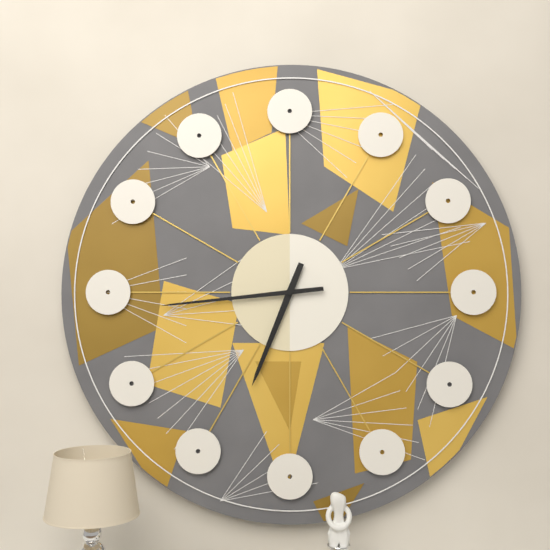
**6:44**
